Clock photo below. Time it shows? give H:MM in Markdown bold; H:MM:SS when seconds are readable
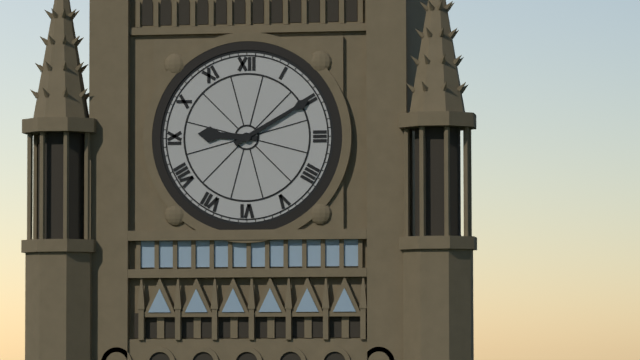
**9:10**
